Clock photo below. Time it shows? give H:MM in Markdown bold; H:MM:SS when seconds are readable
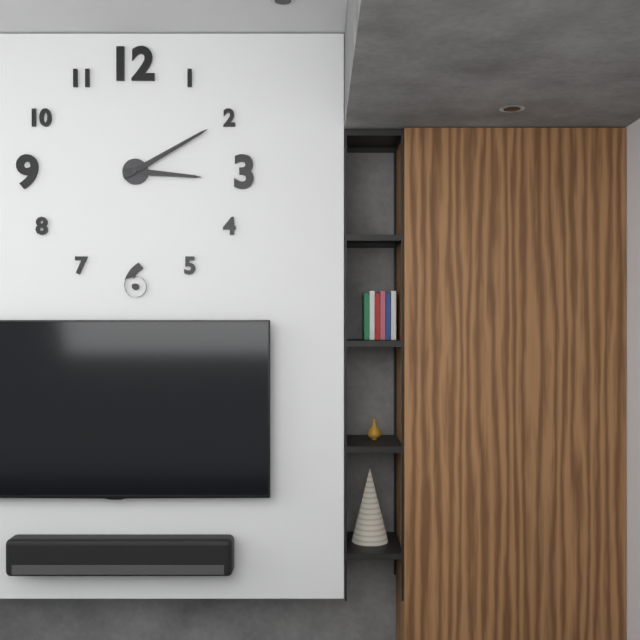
**3:10**
